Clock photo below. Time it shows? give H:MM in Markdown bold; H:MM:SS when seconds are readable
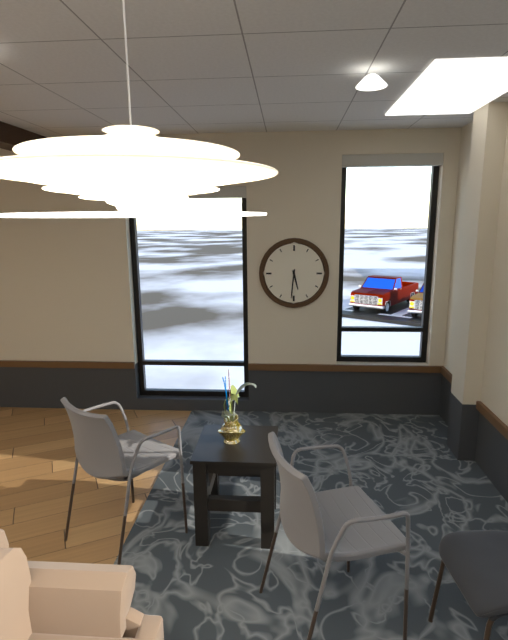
**5:31**
